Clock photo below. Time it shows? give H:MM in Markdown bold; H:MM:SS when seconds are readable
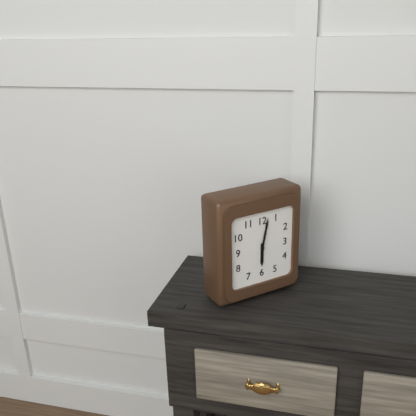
**6:02**
